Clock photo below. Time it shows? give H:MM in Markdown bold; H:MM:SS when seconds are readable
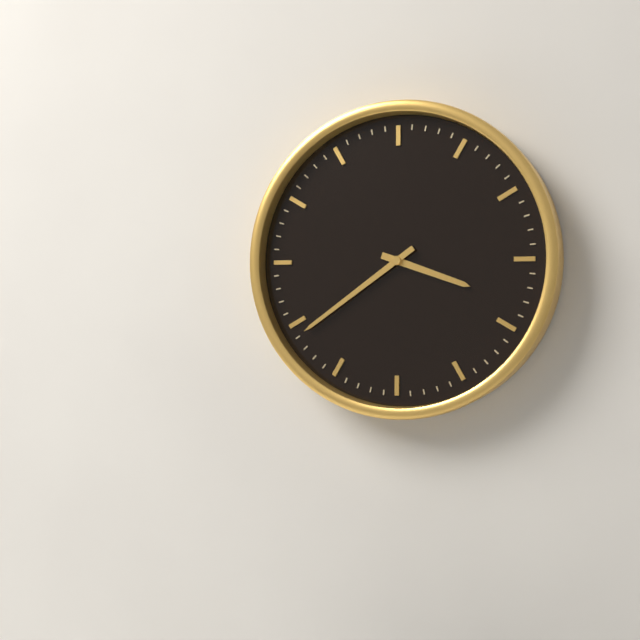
**3:39**
